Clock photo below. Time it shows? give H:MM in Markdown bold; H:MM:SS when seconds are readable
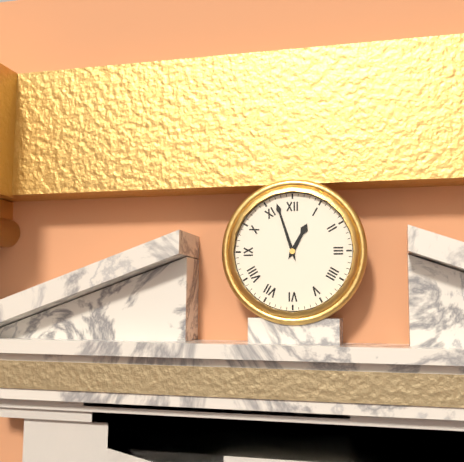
**12:57**
